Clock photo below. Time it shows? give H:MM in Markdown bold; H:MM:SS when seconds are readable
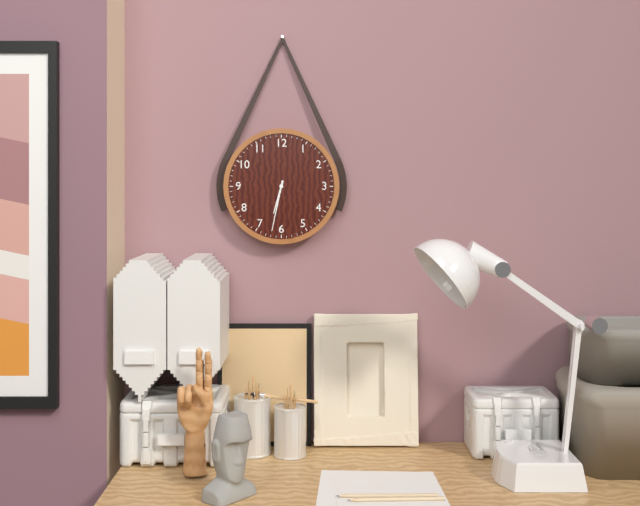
**6:32**
